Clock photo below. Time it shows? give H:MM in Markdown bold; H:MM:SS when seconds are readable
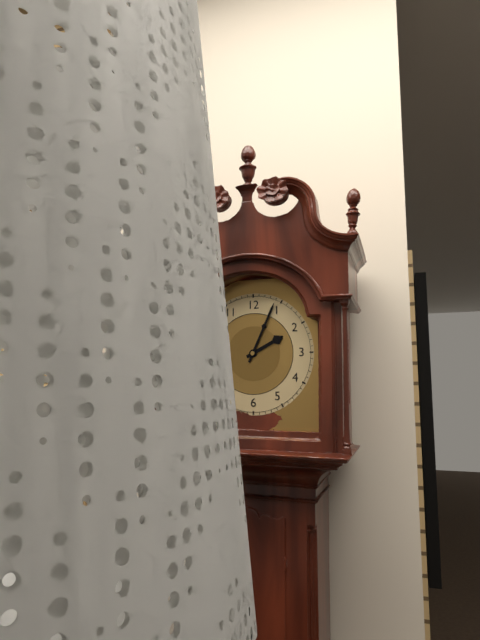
**2:04**
